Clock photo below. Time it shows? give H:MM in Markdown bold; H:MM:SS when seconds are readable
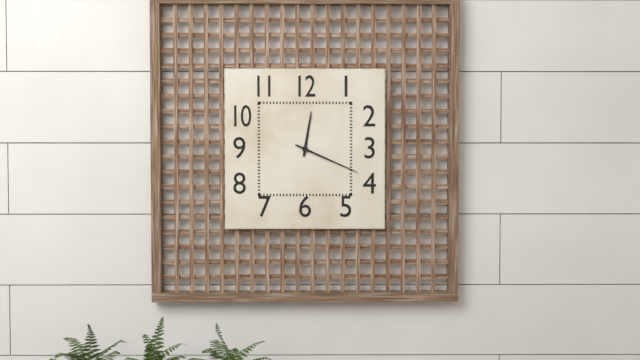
**12:19**
